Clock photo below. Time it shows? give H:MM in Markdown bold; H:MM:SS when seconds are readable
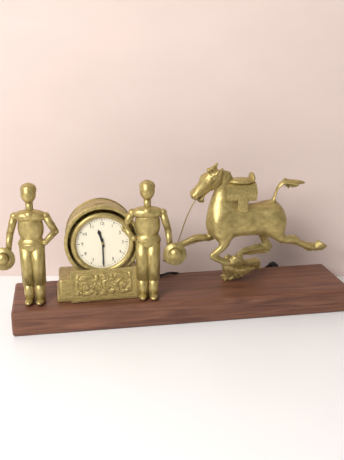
**11:30**
